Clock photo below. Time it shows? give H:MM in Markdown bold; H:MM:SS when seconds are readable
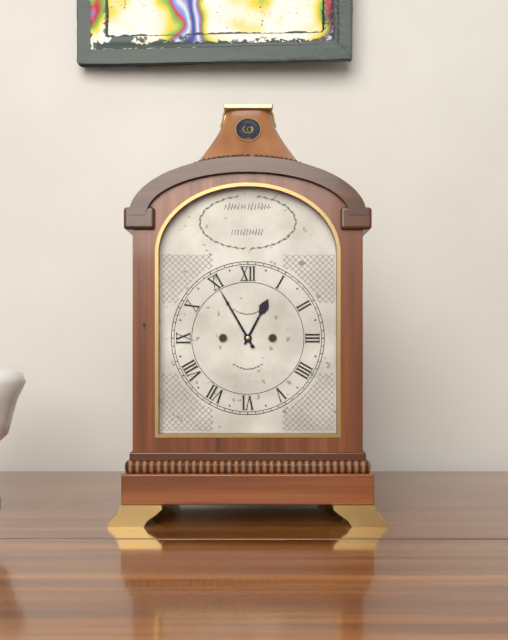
**12:55**
